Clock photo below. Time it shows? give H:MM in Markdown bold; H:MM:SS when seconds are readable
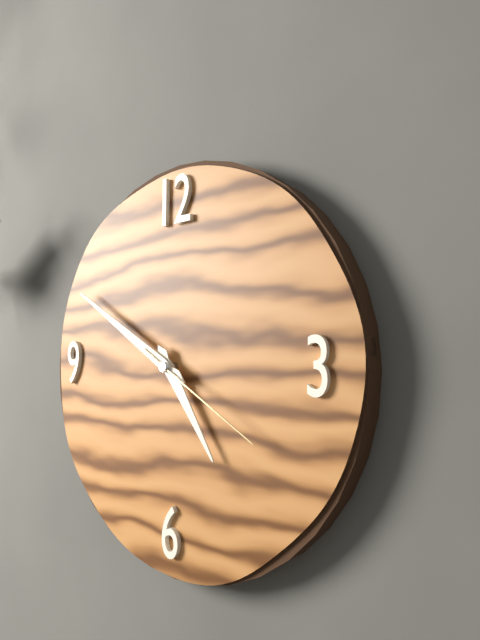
**4:50:20**
